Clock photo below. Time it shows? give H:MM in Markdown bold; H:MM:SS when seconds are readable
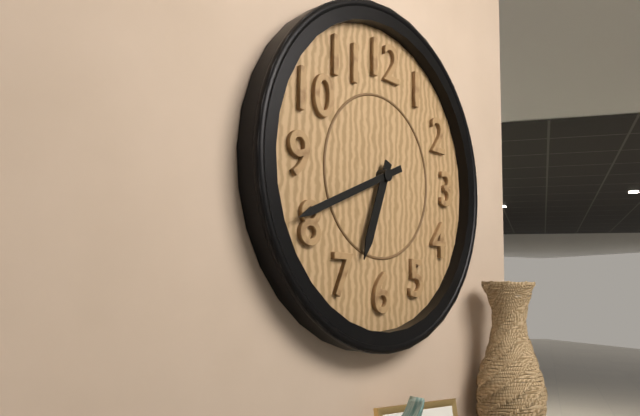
**6:41**
